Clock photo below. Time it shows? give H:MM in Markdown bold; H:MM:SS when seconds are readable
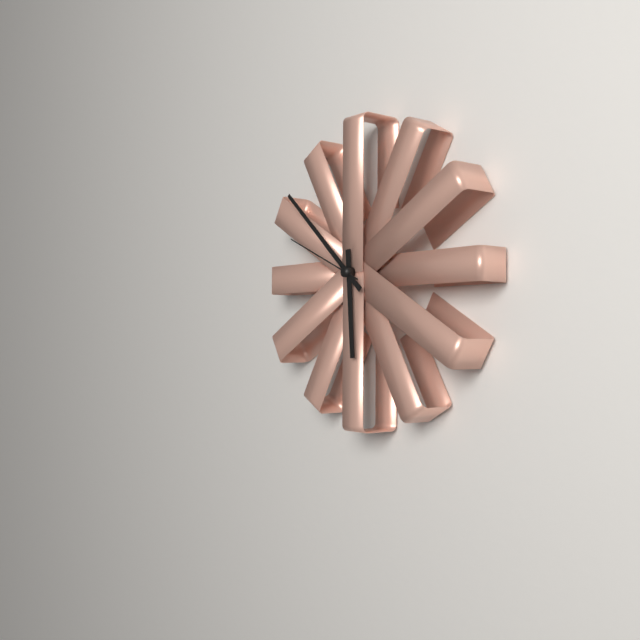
**5:52:49**
